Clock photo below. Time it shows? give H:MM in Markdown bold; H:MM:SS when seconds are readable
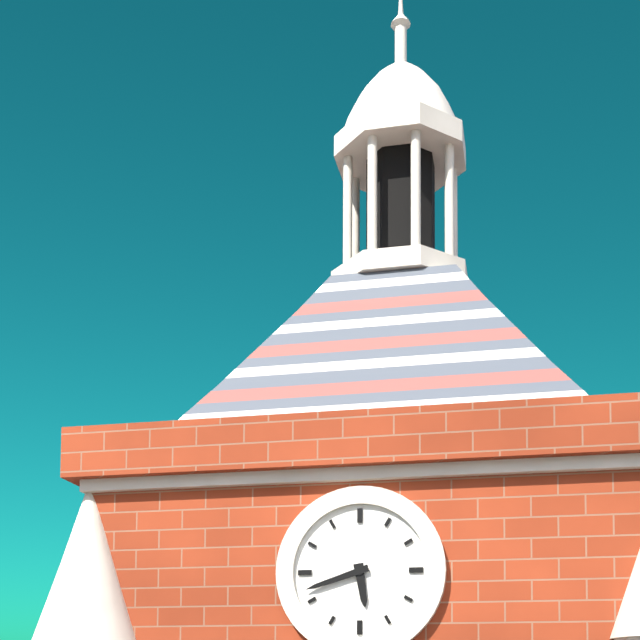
**5:42**
